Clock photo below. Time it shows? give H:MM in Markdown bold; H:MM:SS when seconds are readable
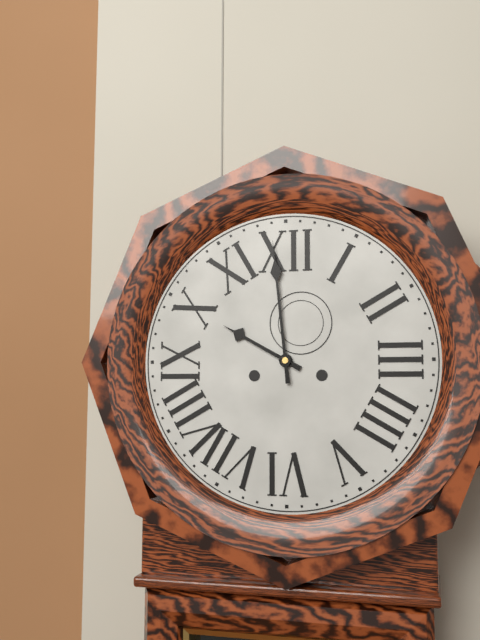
**9:59**
